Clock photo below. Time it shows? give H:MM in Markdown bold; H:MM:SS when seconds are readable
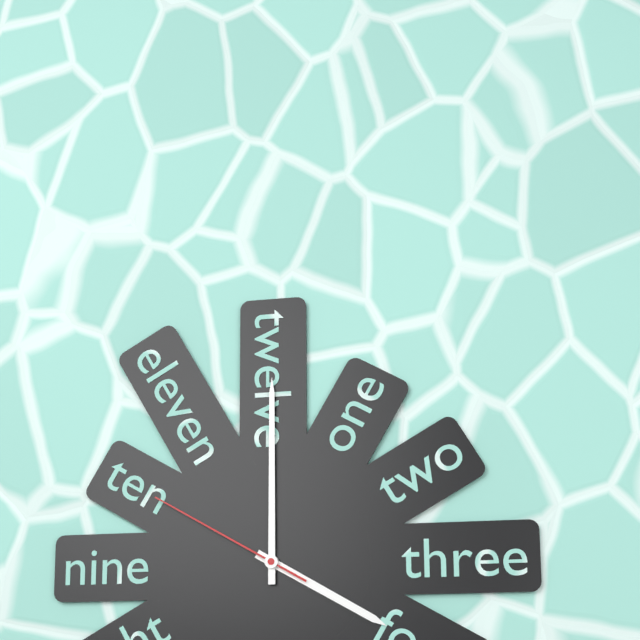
**4:00:50**
